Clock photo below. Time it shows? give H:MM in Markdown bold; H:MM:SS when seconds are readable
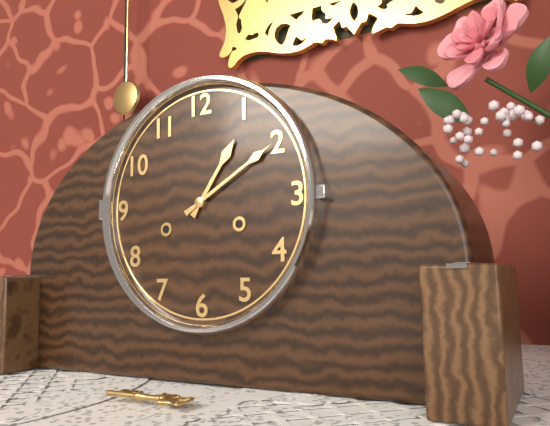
**1:10**
